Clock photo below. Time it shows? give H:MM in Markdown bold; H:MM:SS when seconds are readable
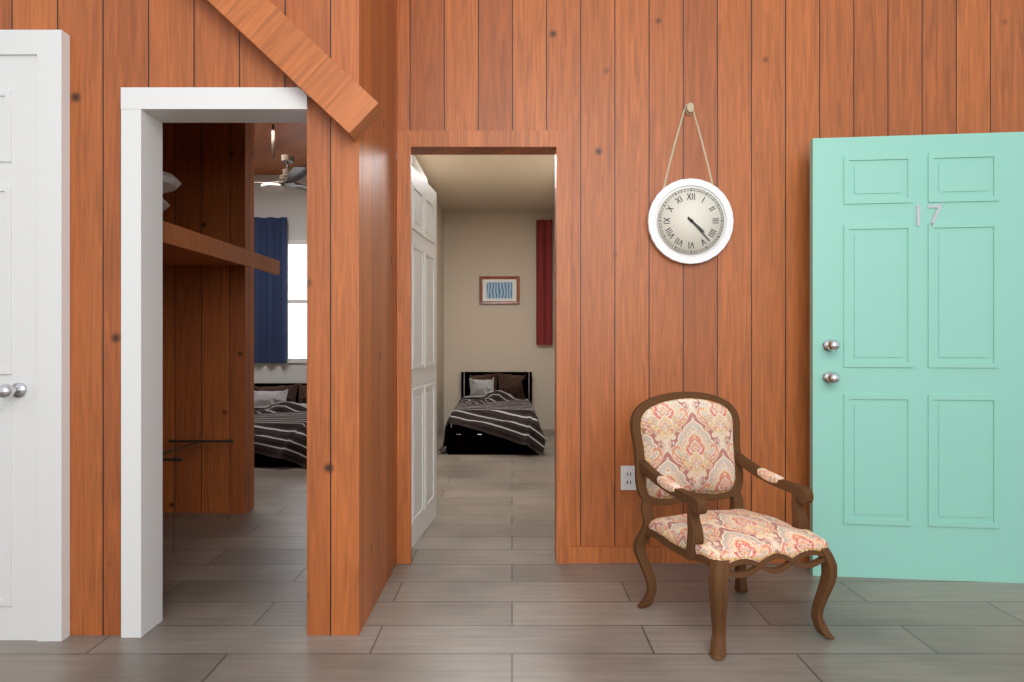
**4:23**
